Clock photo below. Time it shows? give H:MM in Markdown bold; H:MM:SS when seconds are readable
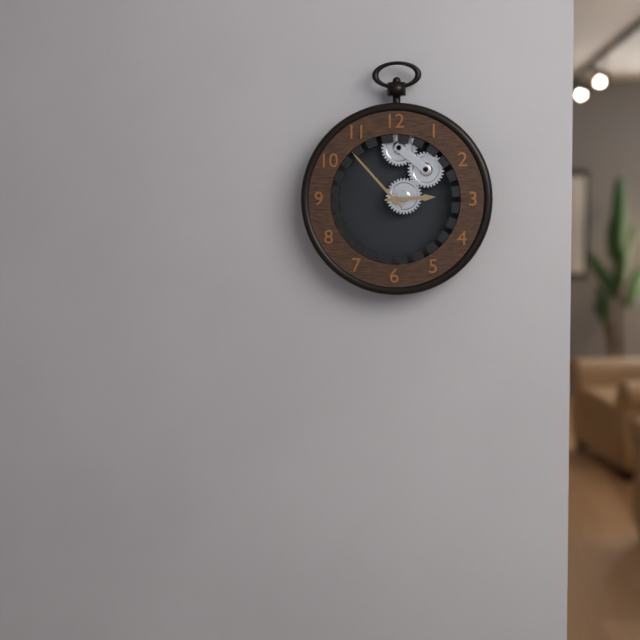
**2:53**
